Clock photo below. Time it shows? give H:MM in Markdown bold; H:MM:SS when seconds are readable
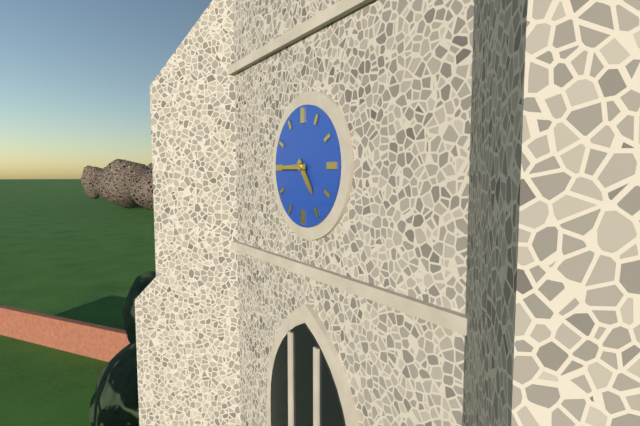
**4:45**
